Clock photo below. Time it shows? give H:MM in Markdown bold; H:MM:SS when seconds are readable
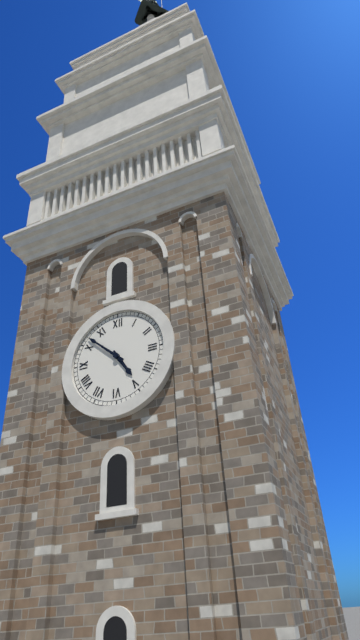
**4:52**
